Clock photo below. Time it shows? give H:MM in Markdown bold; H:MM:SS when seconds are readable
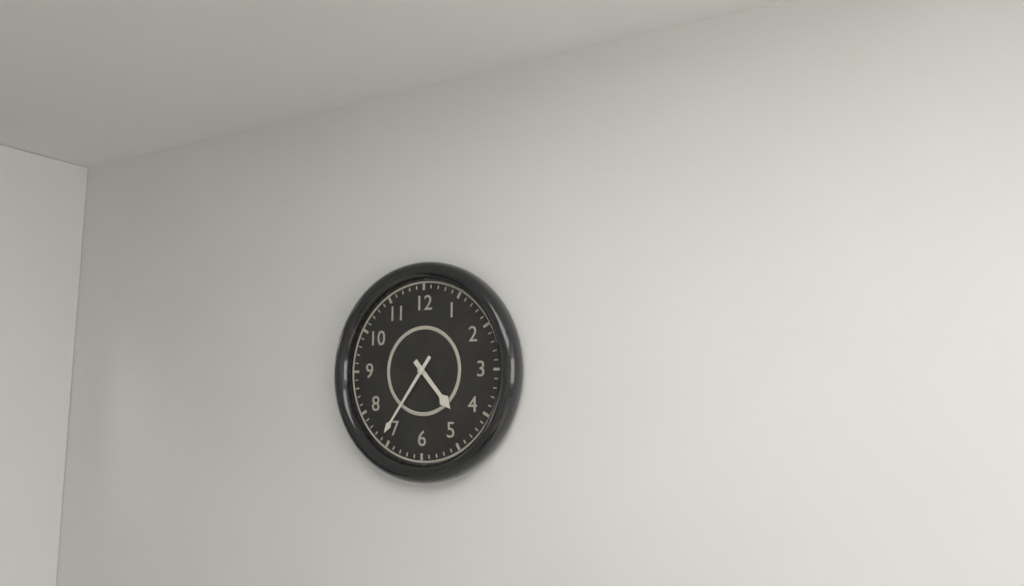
**4:36**
